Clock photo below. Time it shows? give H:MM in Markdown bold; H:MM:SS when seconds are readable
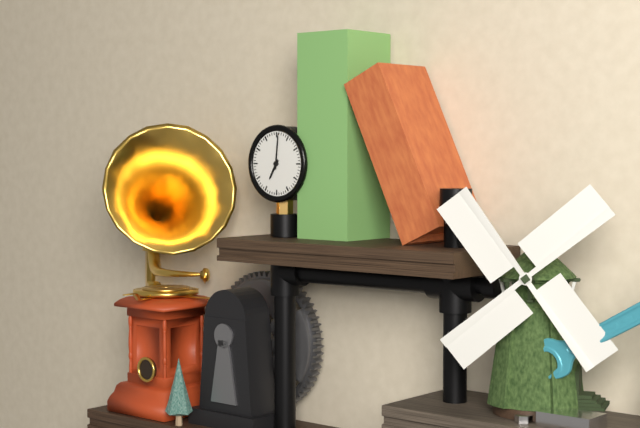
**7:01**
